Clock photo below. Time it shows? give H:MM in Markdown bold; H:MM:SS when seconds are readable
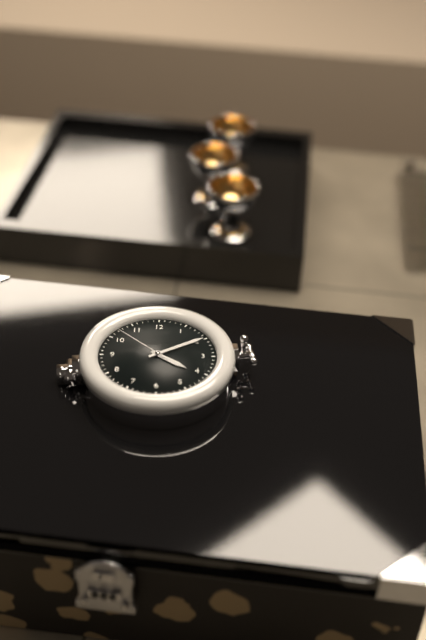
**4:10:52**
